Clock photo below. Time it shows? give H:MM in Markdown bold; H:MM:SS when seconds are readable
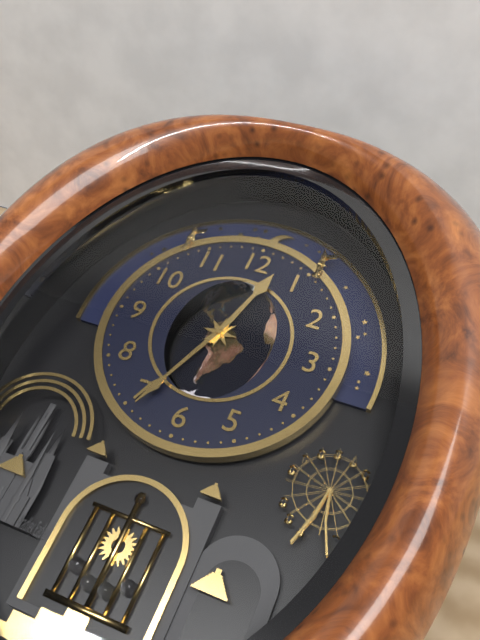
**12:34**
